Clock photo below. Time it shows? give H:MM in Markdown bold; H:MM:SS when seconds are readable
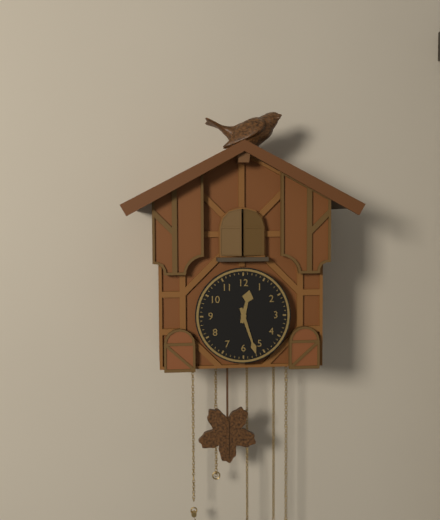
**12:27**
